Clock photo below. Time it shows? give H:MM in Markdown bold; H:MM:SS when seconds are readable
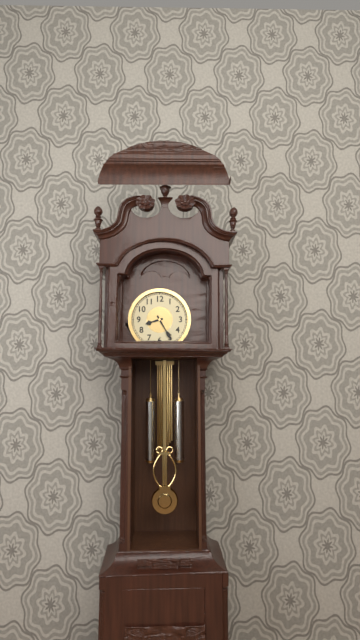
**8:25**
